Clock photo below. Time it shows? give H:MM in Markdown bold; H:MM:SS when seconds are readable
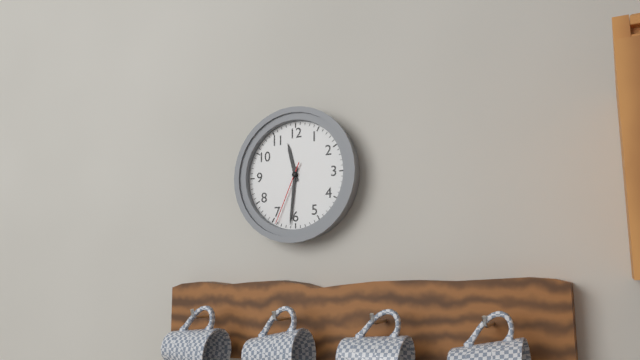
**11:31:34**
